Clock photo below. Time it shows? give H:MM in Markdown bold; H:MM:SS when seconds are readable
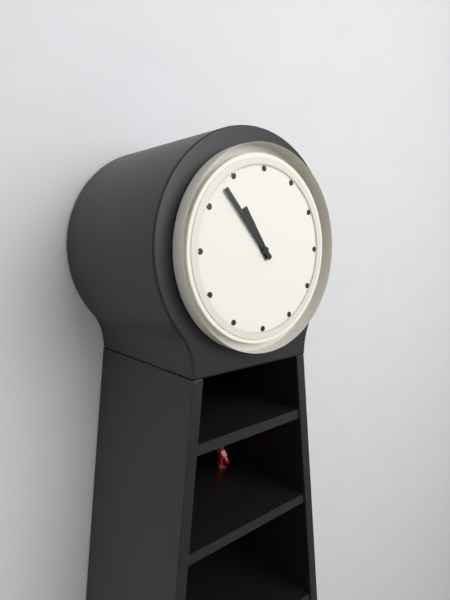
**10:53**
